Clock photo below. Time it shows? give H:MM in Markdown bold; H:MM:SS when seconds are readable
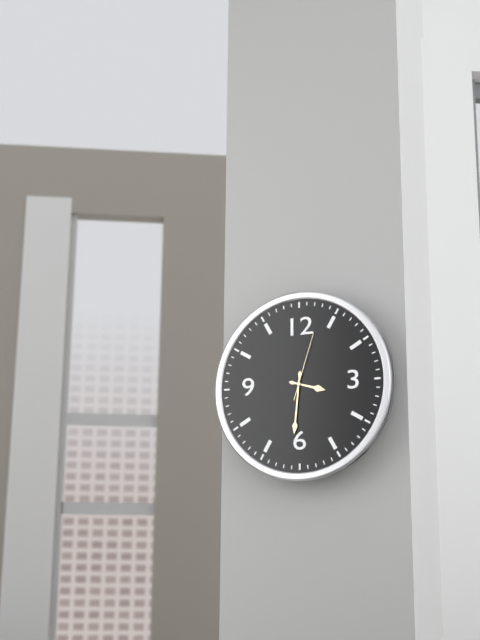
**3:31:03**
